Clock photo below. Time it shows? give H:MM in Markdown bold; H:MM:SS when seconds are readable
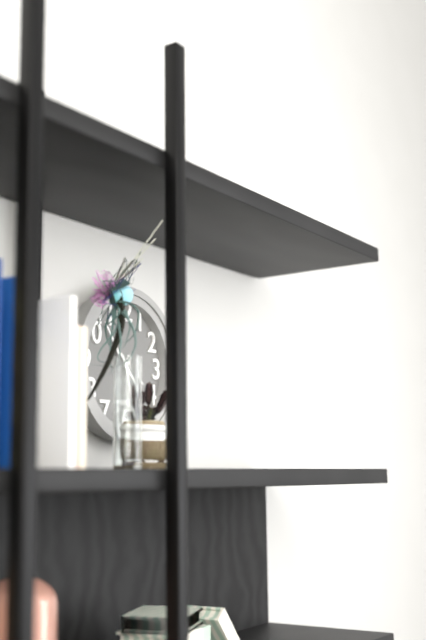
**3:54**
